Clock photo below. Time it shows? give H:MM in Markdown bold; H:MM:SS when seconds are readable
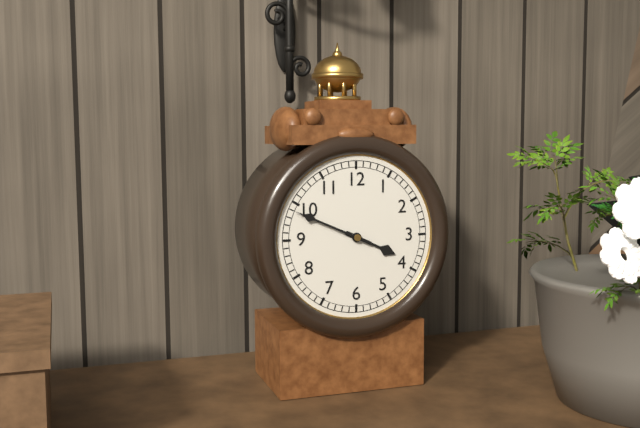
**3:49**
